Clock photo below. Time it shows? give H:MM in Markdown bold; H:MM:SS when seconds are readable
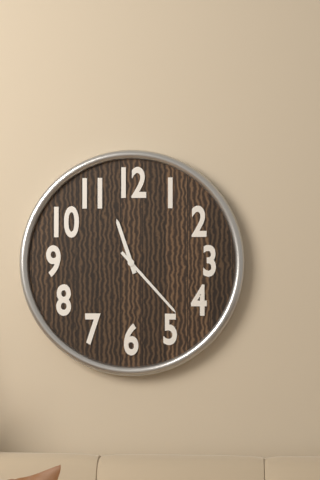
**11:23**
